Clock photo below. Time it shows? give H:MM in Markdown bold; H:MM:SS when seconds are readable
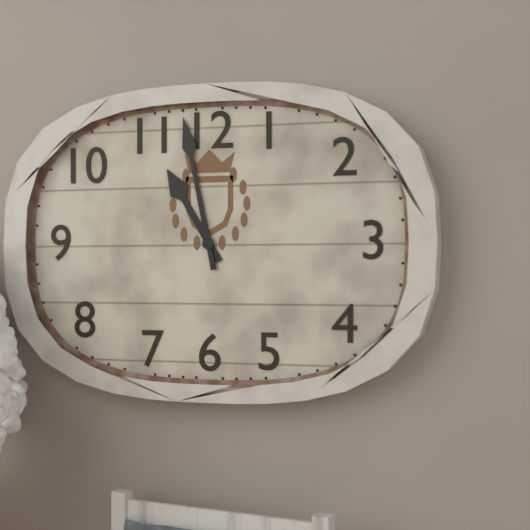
**10:58**
